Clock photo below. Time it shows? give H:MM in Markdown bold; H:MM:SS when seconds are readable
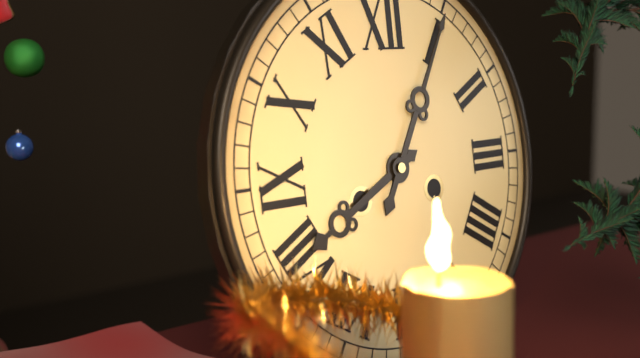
**8:05**
